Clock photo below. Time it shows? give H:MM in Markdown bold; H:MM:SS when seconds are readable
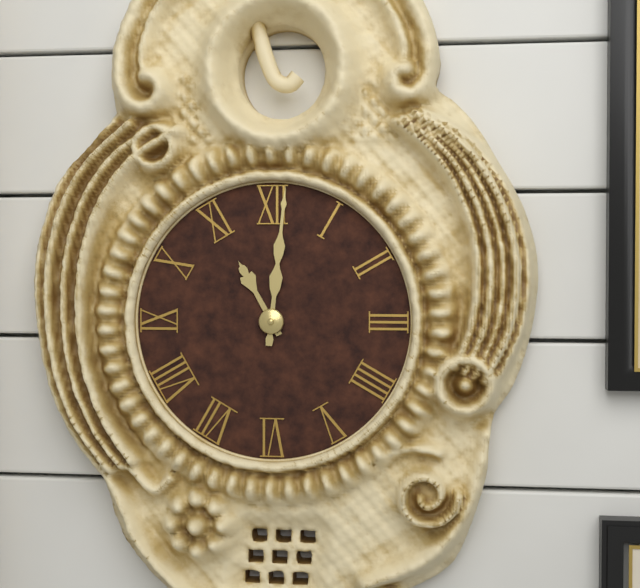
**11:01**
